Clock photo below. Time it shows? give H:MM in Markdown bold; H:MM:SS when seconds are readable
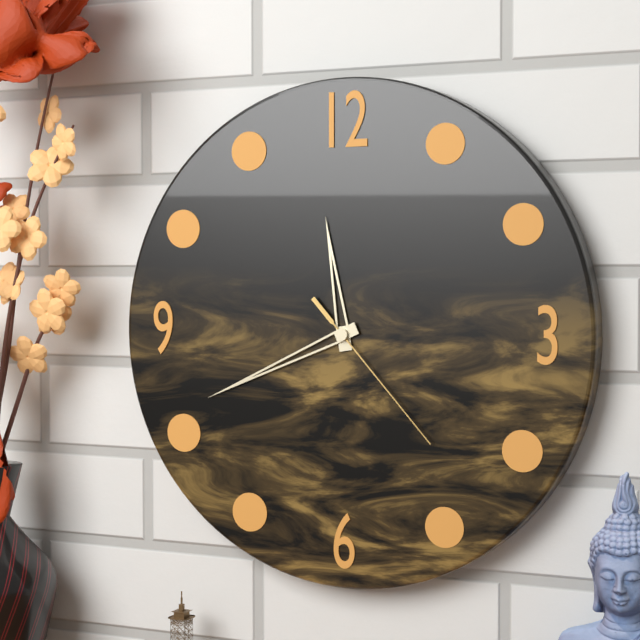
**11:41:23**
